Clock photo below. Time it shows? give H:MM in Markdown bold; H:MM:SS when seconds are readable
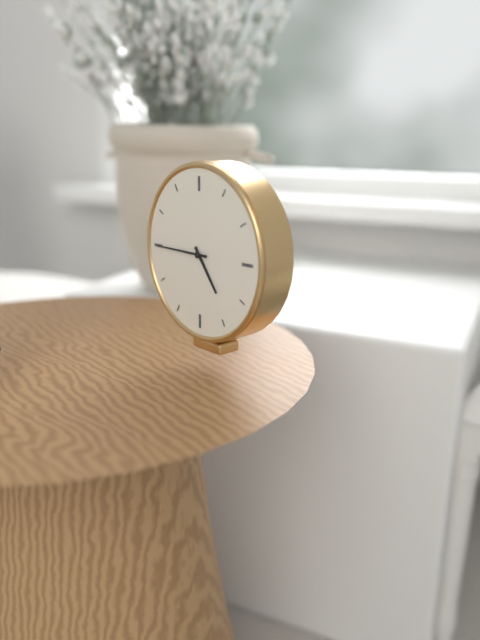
**4:45**
